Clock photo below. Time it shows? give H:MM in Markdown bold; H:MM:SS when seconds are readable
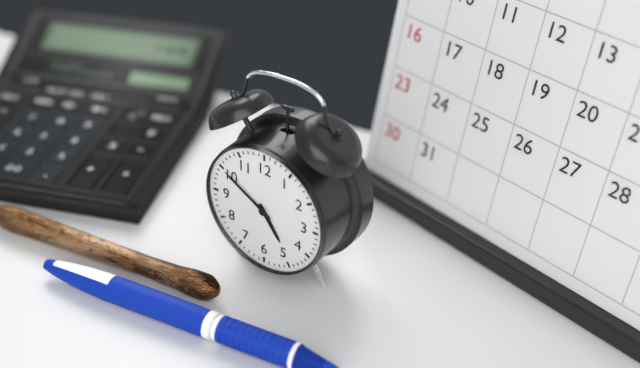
**4:50**
